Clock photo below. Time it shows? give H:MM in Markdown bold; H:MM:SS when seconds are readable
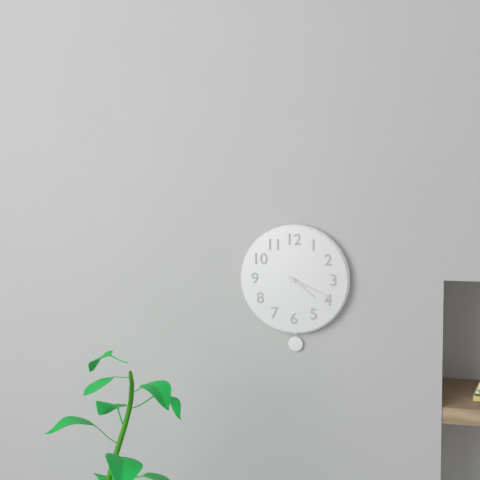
**4:19**
